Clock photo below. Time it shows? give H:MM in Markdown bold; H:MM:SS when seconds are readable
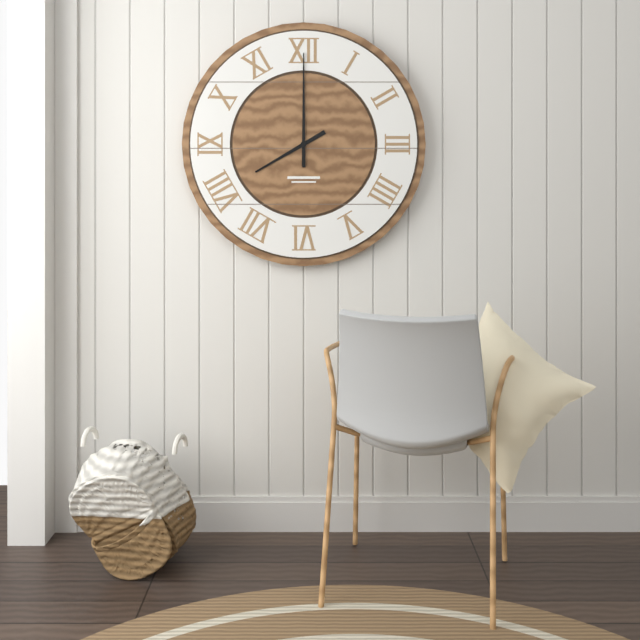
**8:00**
